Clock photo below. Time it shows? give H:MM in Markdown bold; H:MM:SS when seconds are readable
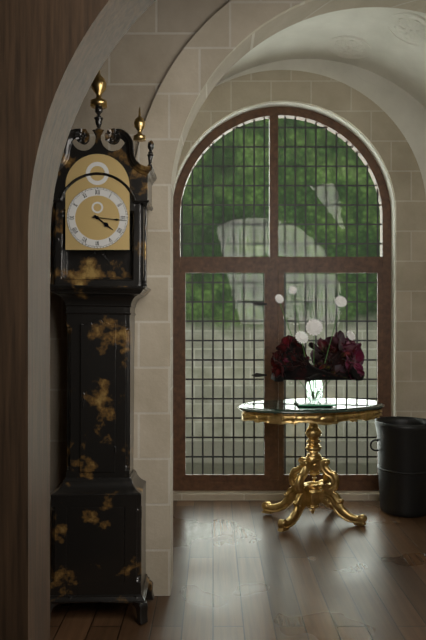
**4:16**
